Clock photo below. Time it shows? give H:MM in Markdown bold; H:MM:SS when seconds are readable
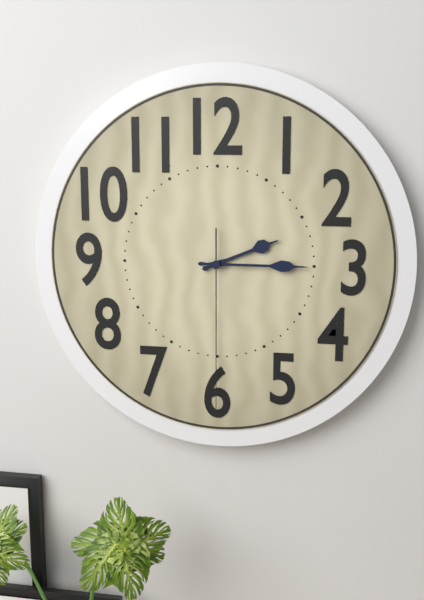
**2:15:30**
